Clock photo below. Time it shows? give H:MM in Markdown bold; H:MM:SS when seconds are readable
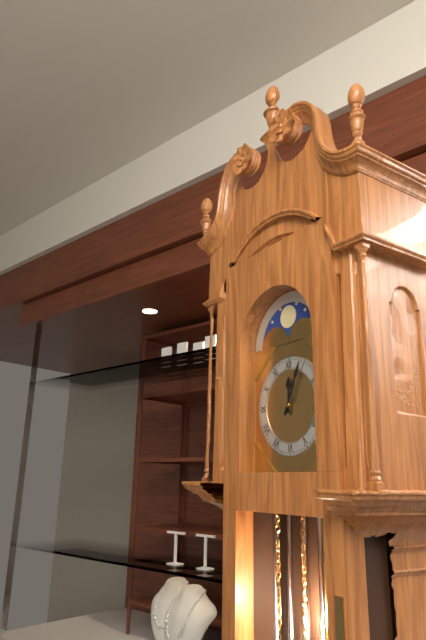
**12:04**
